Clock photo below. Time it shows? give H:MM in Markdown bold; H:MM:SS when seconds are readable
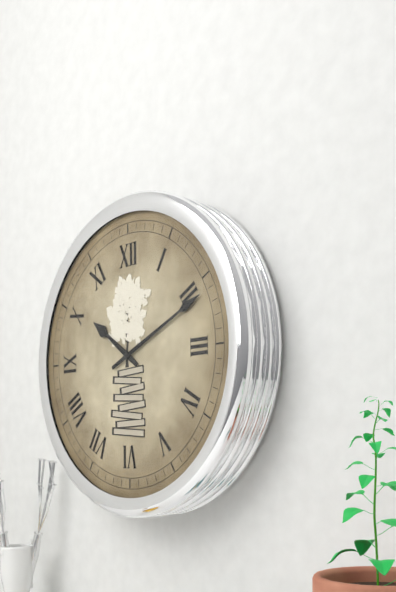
**10:11**
